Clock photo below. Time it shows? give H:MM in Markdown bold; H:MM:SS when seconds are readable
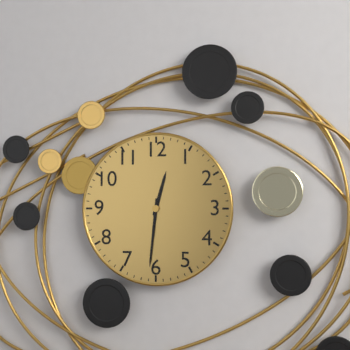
**12:31**
